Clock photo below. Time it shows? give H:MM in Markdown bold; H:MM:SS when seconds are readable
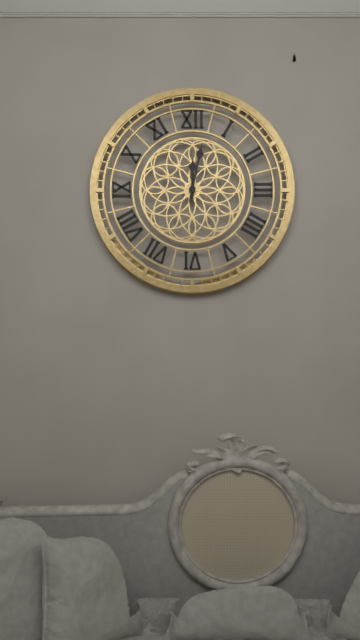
**12:02**
